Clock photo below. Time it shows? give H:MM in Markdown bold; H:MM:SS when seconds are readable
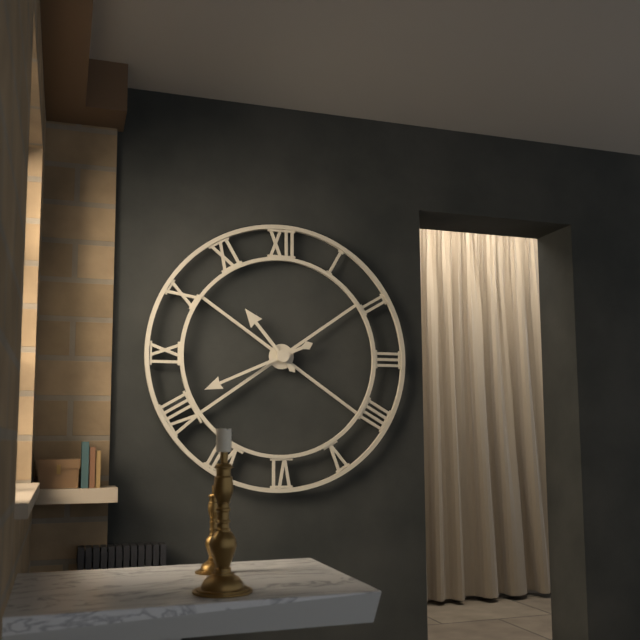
**10:41**
